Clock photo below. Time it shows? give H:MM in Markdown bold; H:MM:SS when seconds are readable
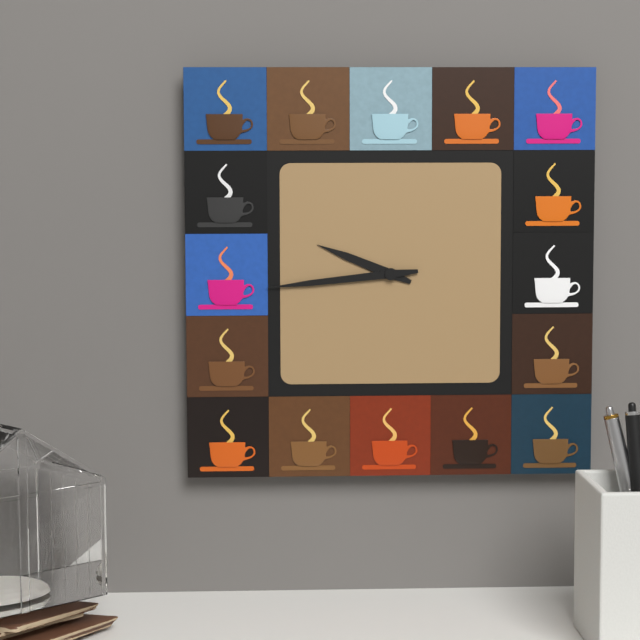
**9:44**
